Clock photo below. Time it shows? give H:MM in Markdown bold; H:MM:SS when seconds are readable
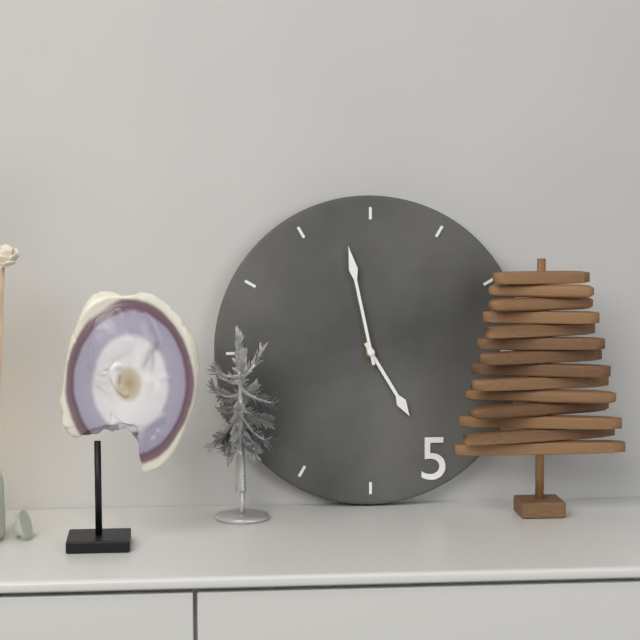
**4:58**
